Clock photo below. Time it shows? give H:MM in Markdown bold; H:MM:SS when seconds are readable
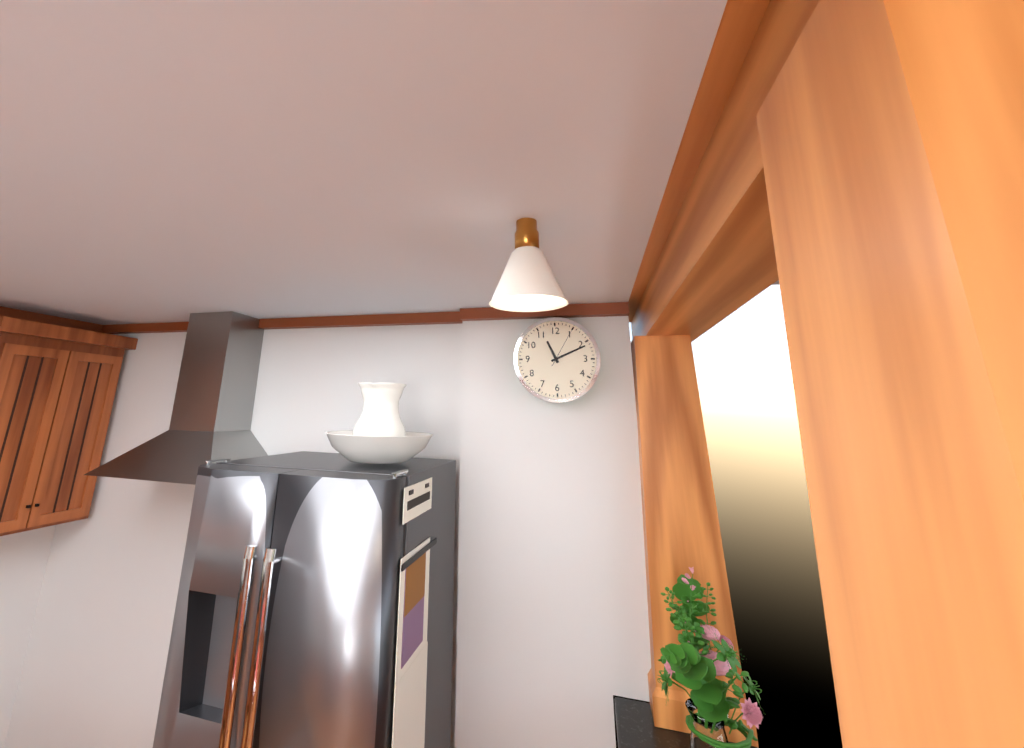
**11:11**
